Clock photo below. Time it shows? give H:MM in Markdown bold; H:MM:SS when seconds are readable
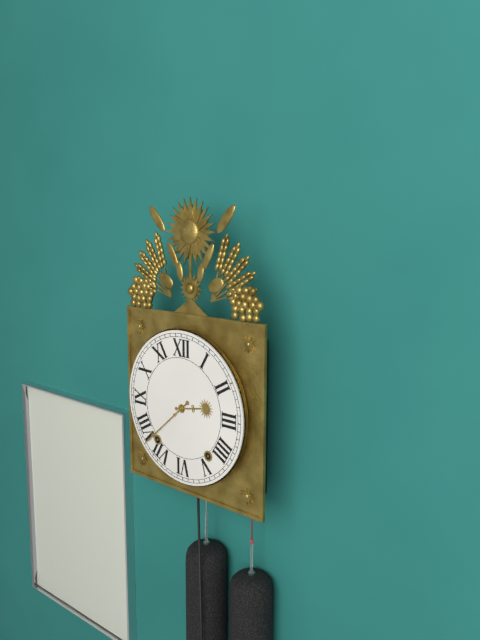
**2:38**
